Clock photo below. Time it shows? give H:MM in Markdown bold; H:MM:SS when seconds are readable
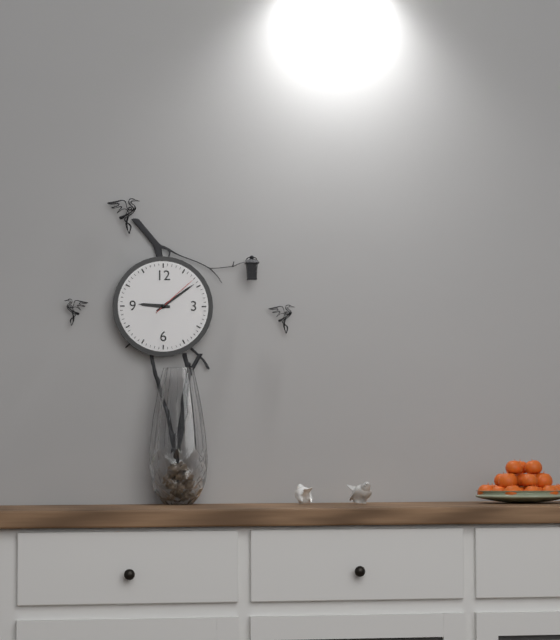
**9:09:08**
